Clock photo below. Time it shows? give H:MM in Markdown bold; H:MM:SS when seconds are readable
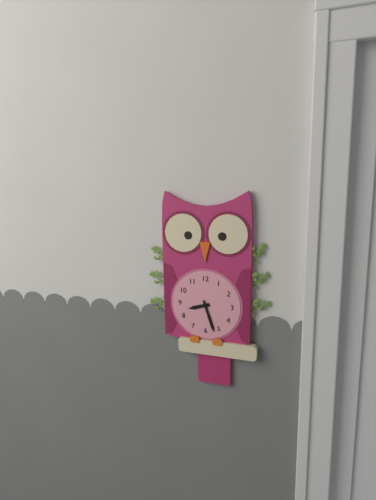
**8:27**
